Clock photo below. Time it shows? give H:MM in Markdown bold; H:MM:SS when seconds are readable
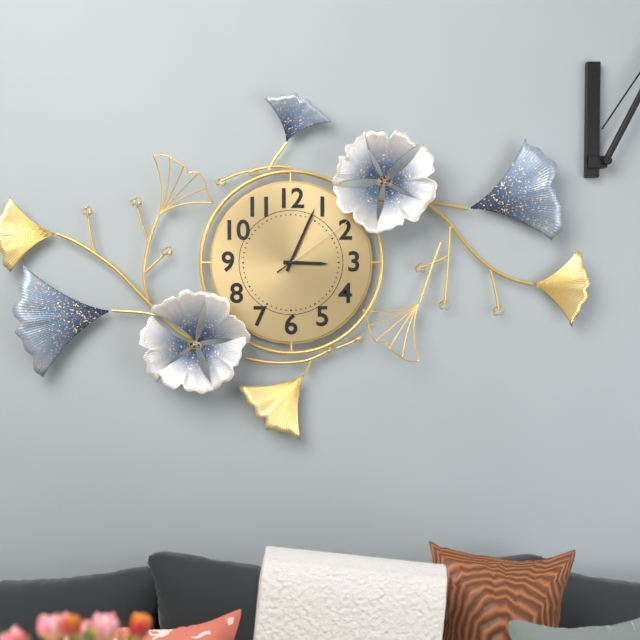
**3:04:09**
